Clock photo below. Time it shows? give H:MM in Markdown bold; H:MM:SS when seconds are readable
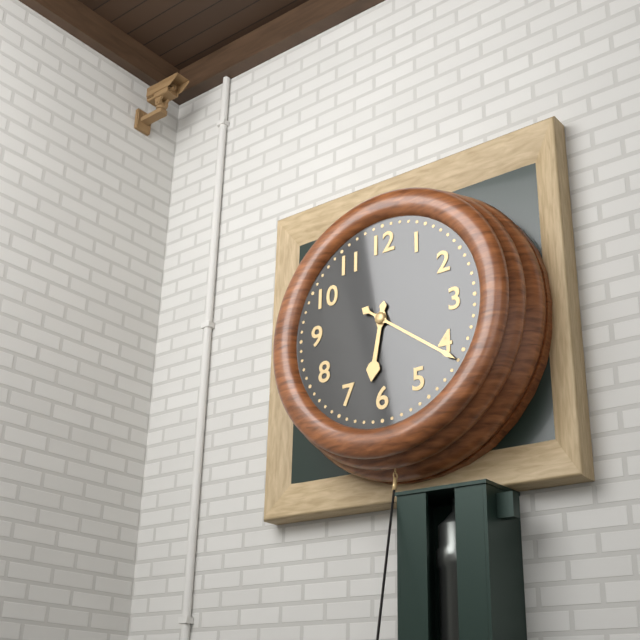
**6:21**
